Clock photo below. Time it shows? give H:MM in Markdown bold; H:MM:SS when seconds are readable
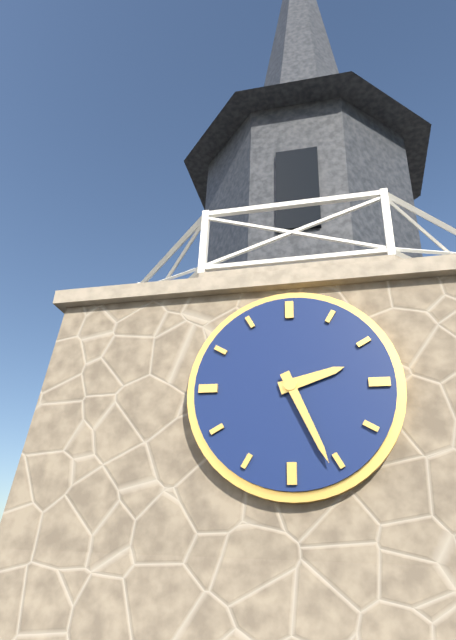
**2:26**
